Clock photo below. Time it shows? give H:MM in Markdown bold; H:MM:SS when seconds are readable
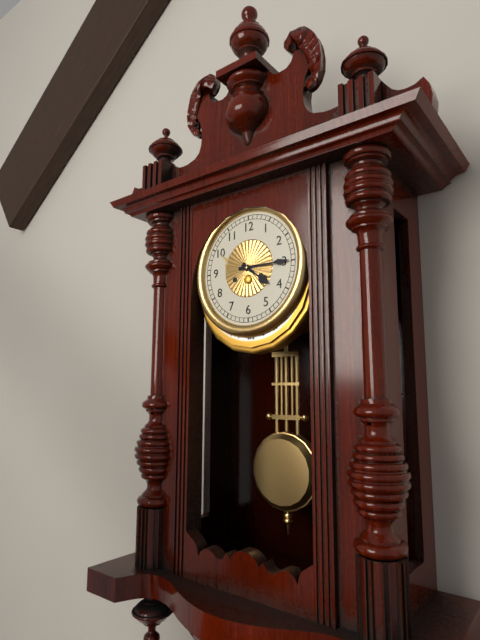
**4:15**
